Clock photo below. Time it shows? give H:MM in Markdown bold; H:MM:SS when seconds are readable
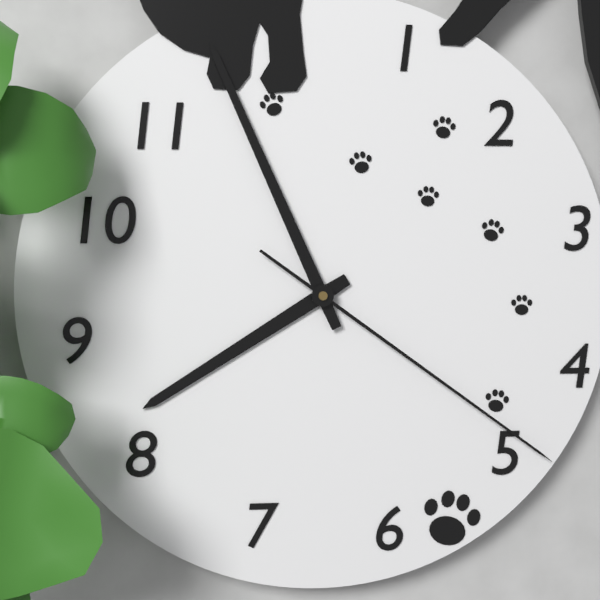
**7:56:21**
